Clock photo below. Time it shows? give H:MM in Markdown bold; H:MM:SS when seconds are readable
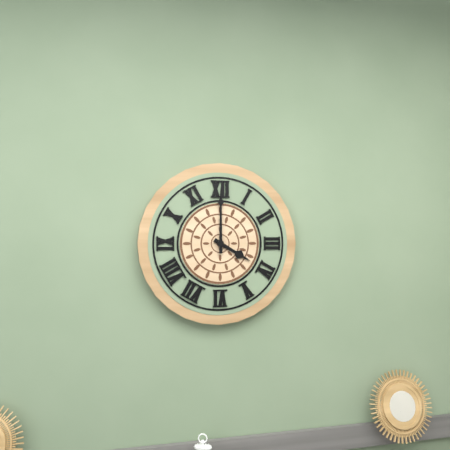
**4:00**
